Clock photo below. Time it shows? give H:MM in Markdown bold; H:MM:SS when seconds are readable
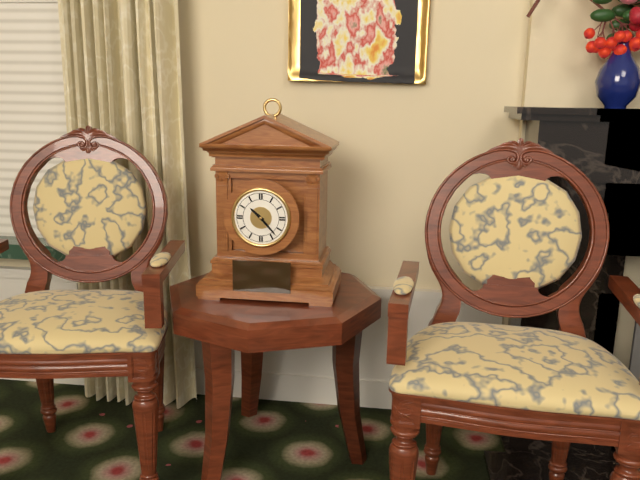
**10:23**
